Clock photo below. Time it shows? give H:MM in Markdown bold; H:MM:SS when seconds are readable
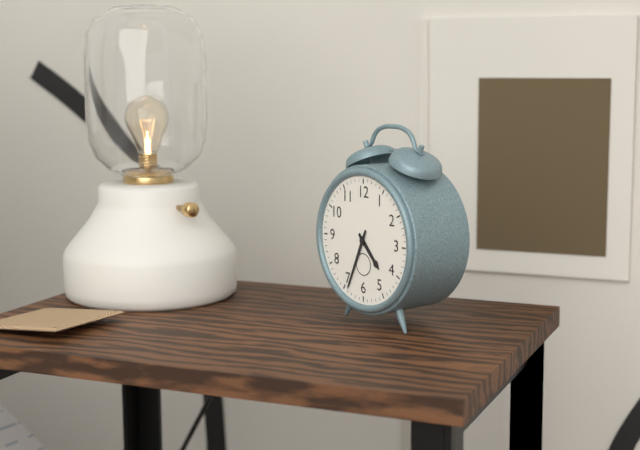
**4:34**
